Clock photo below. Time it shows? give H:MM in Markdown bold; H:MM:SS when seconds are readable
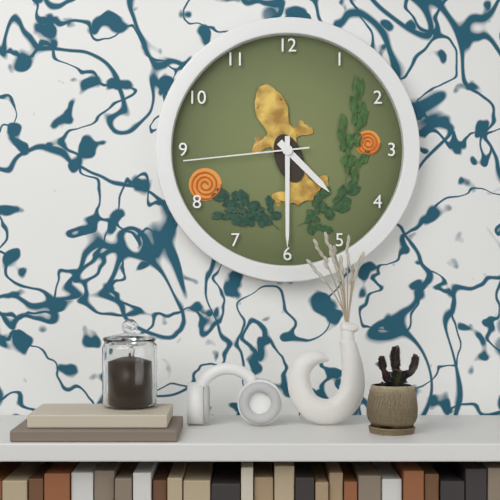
**4:30:44**
